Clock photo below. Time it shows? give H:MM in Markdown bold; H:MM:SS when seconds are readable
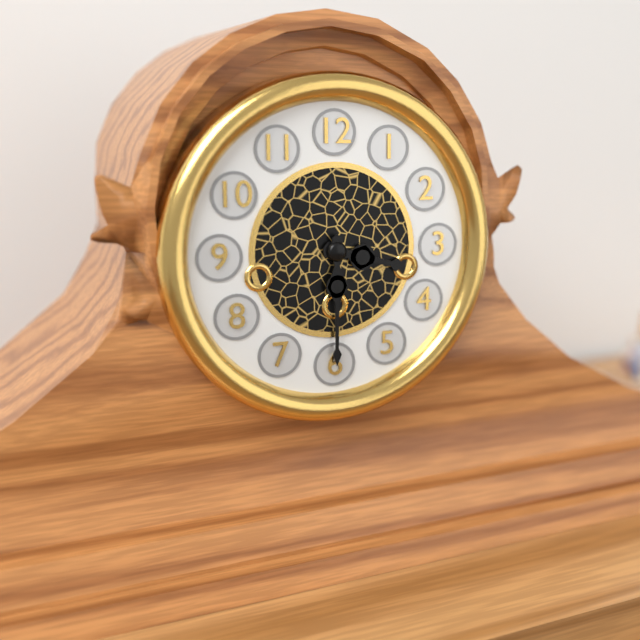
**3:30**
